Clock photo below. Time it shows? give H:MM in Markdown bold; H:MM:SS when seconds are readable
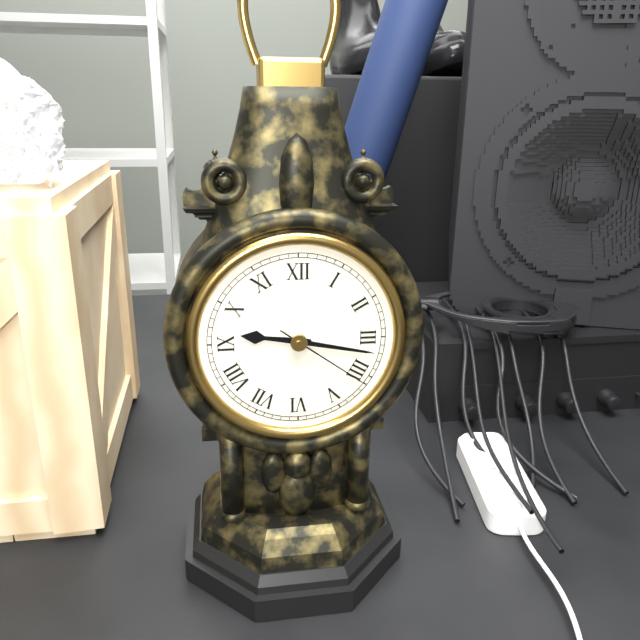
**9:17:21**
